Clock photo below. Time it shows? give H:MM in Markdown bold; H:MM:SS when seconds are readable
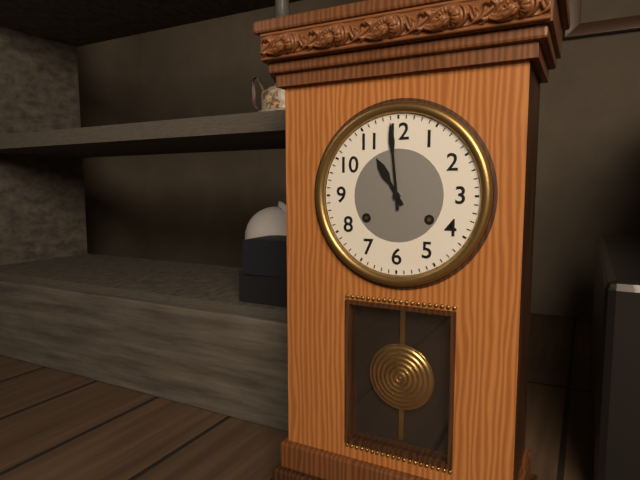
**10:59**
